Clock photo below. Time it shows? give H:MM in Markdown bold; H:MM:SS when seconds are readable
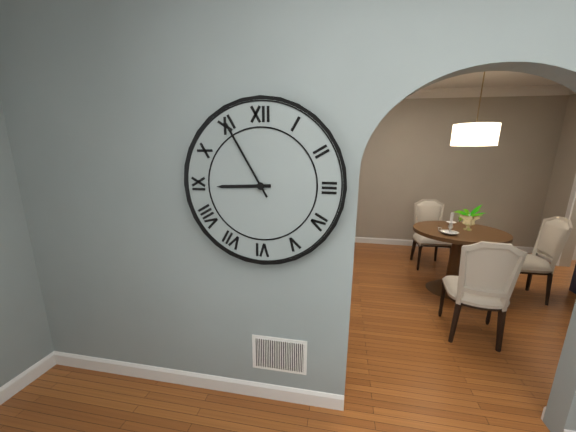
**8:55**
